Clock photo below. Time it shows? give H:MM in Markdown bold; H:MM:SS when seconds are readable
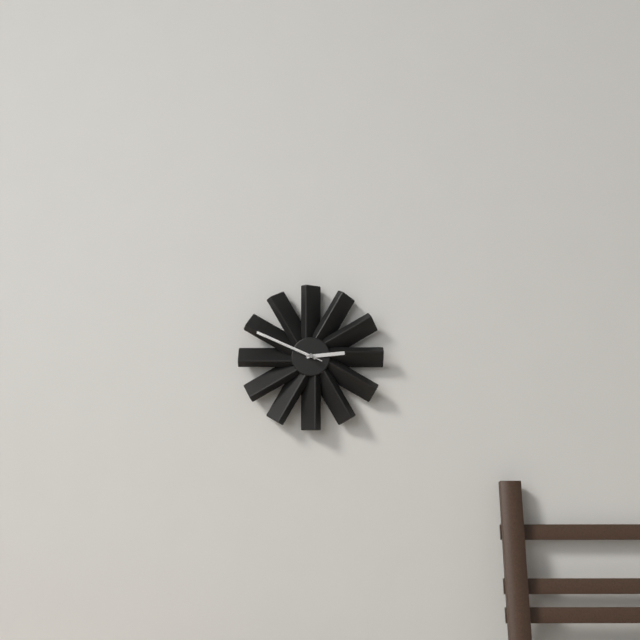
**2:49:49**
